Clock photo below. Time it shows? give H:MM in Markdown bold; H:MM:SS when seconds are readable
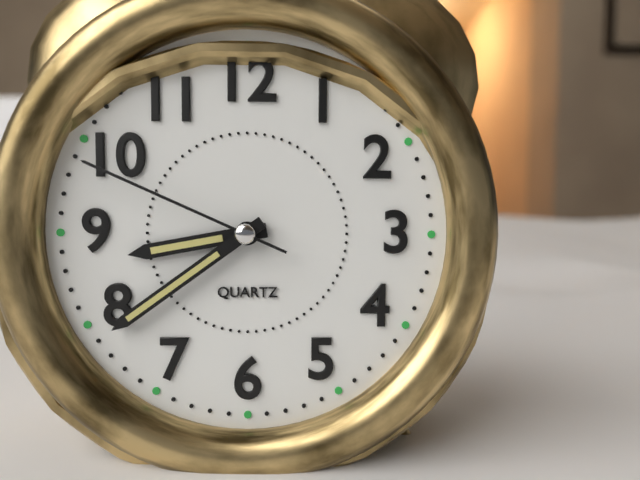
**8:39:49**
